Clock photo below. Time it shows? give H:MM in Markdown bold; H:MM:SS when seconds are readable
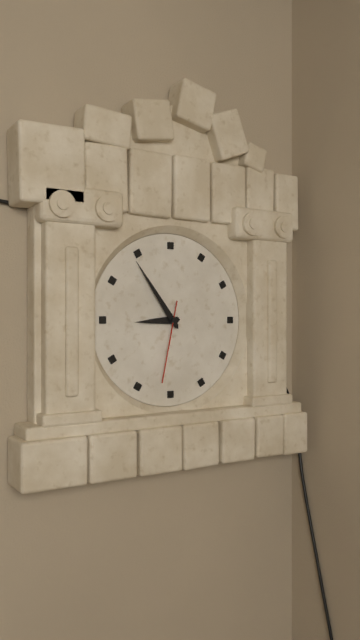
**8:54:32**
